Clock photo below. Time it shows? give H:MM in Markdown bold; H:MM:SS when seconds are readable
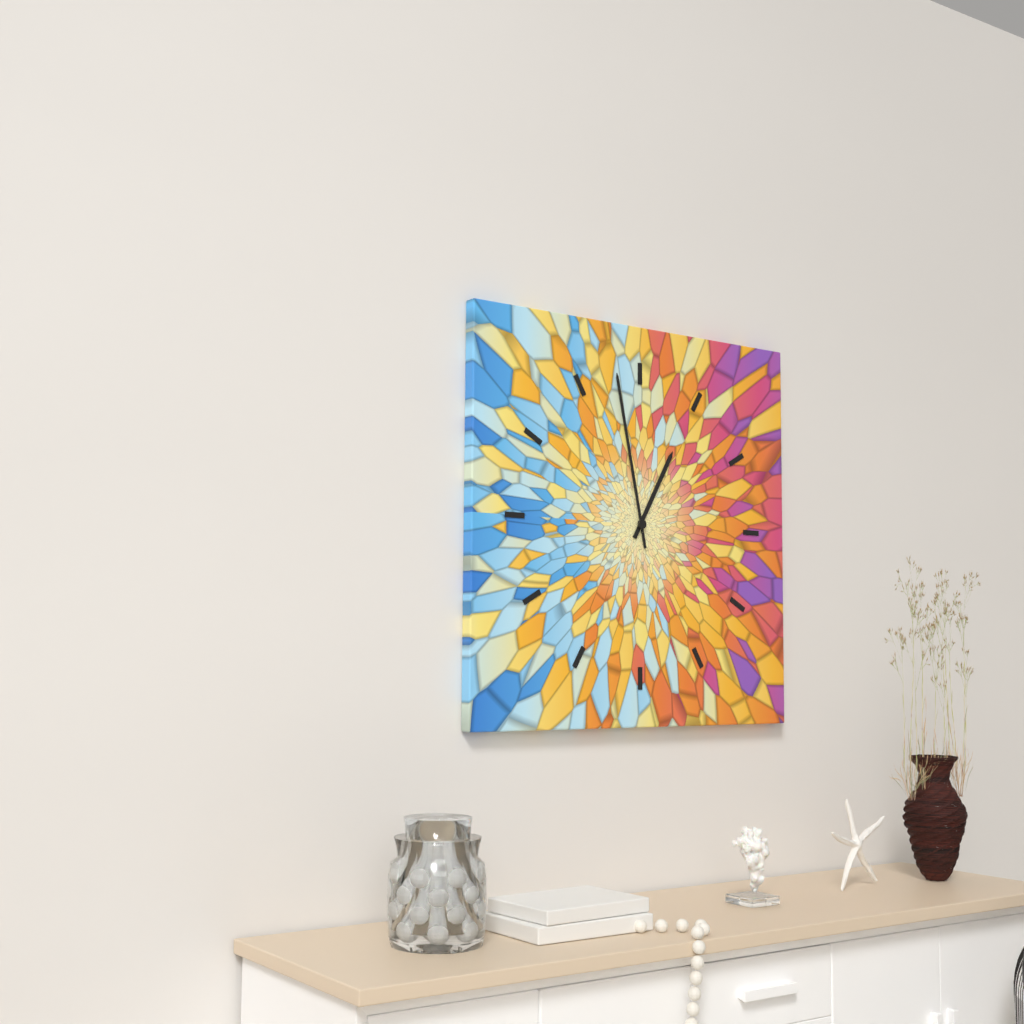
**12:58**
